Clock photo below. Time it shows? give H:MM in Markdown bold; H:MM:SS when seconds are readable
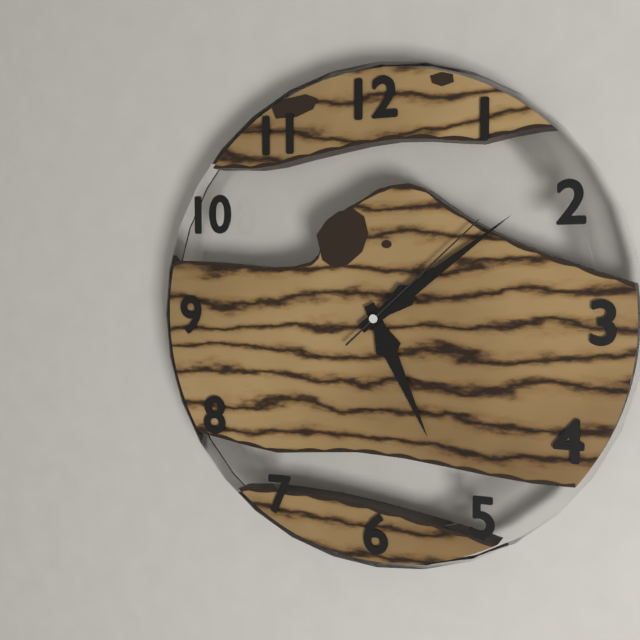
**5:09:08**
